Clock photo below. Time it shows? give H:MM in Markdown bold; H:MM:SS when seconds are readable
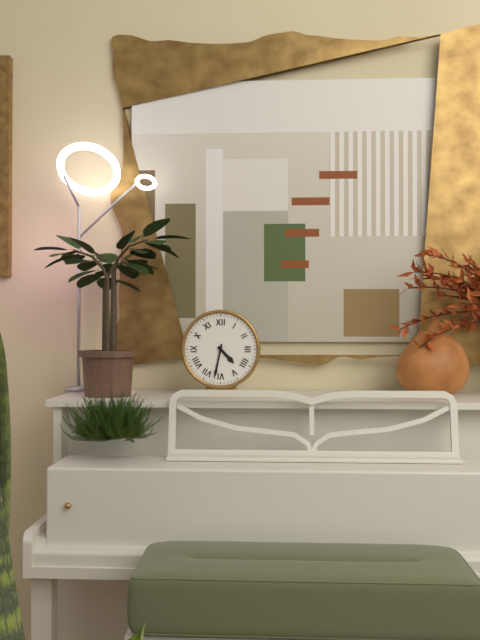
**4:32**
